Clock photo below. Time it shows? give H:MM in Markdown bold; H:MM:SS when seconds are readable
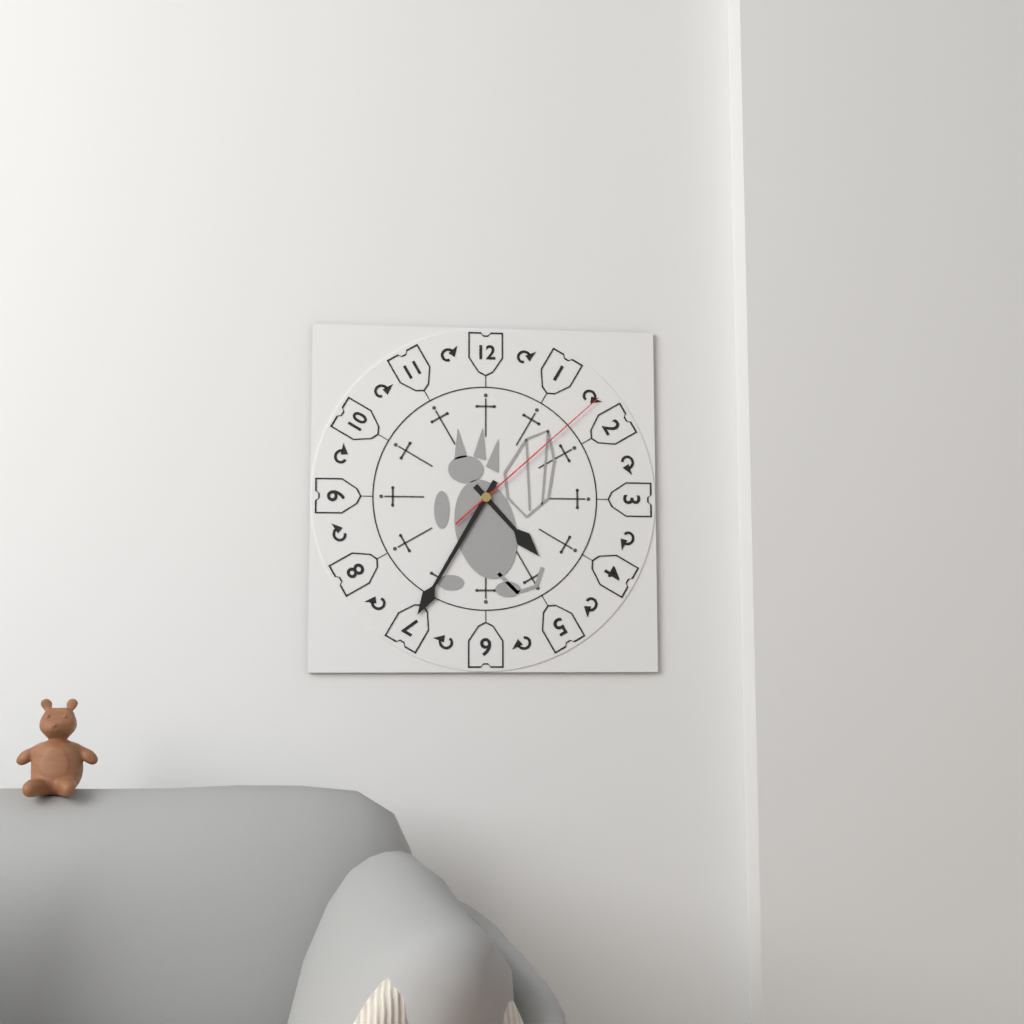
**4:35:08**
